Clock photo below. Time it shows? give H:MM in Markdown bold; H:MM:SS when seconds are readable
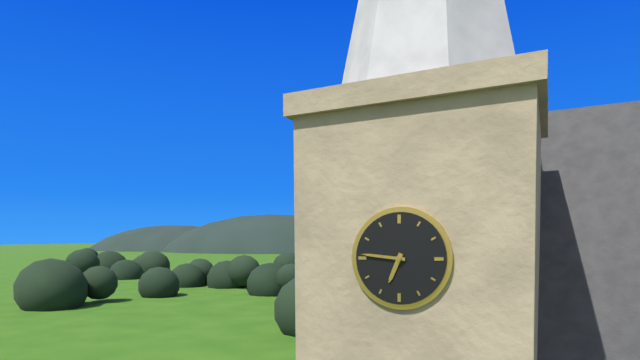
**6:46**
